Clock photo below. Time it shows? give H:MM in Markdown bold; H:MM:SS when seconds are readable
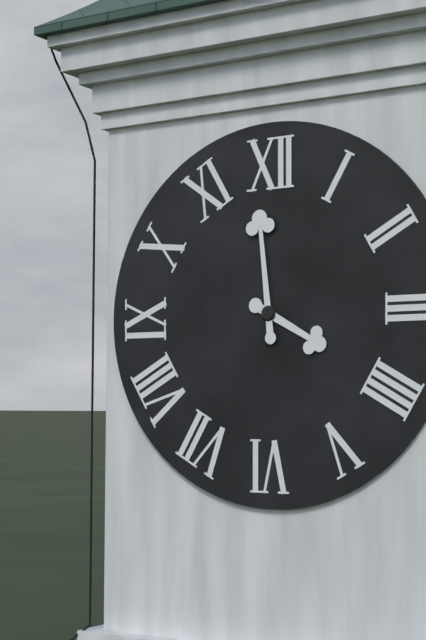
**3:59**
